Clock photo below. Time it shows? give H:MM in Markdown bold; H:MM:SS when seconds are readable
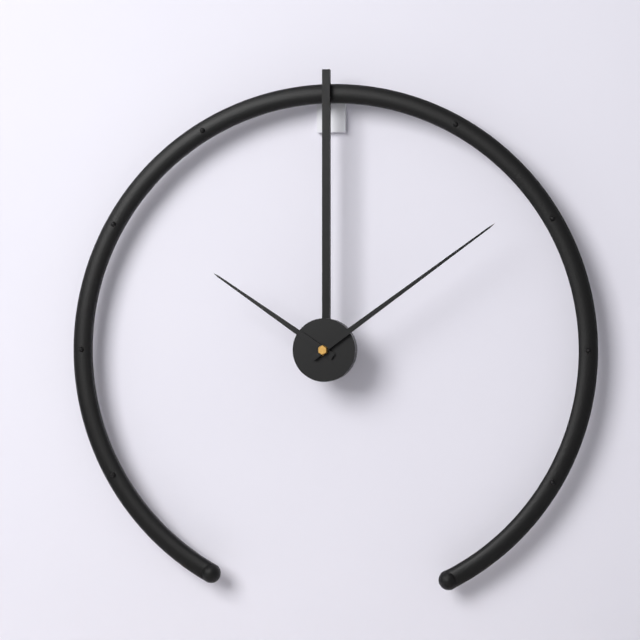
**10:09**
